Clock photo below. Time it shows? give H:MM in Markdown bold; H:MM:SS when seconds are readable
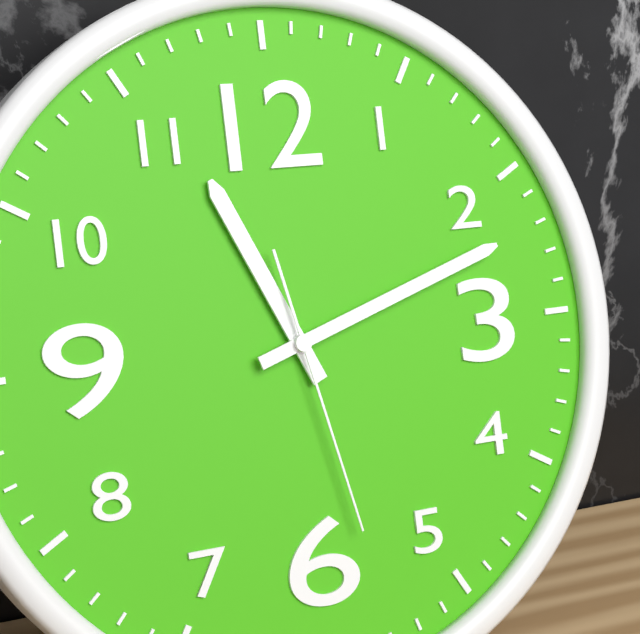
**11:12:28**
